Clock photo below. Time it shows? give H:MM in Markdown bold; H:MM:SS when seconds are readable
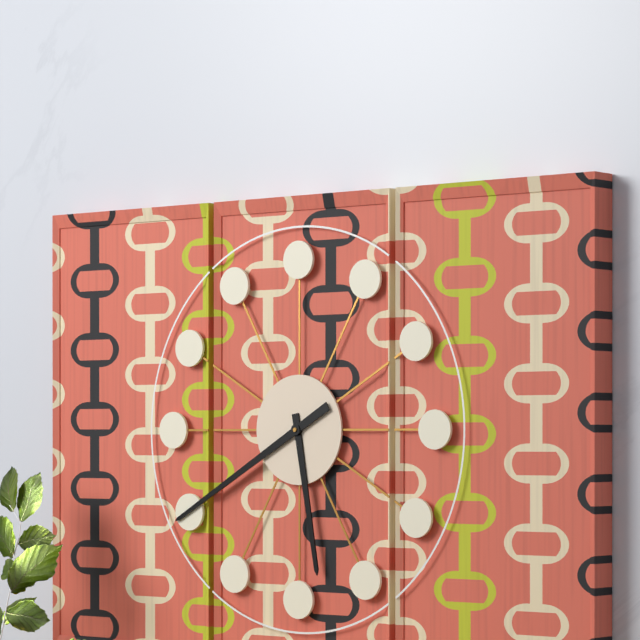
**5:40**
